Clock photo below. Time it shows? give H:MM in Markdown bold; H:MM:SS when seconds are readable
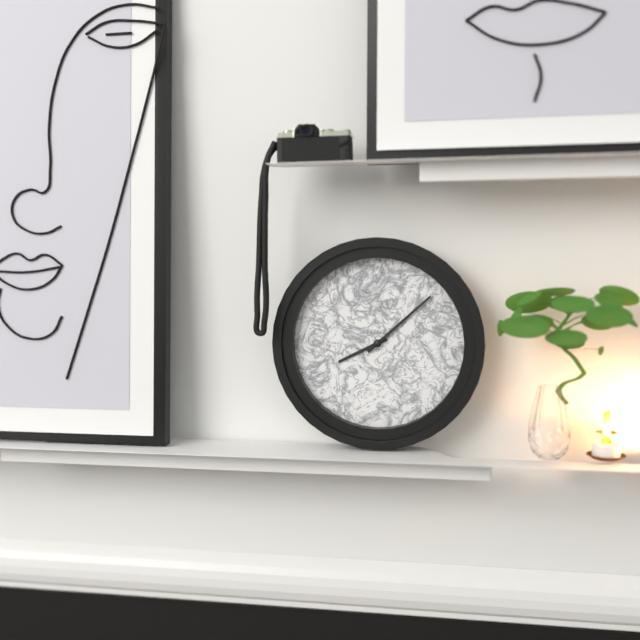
**8:08**
